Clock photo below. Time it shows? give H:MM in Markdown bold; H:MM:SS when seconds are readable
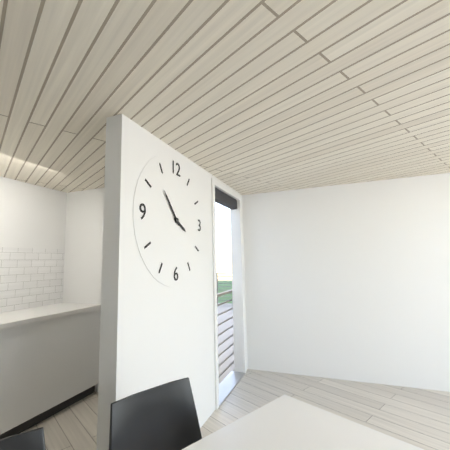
**3:53**
